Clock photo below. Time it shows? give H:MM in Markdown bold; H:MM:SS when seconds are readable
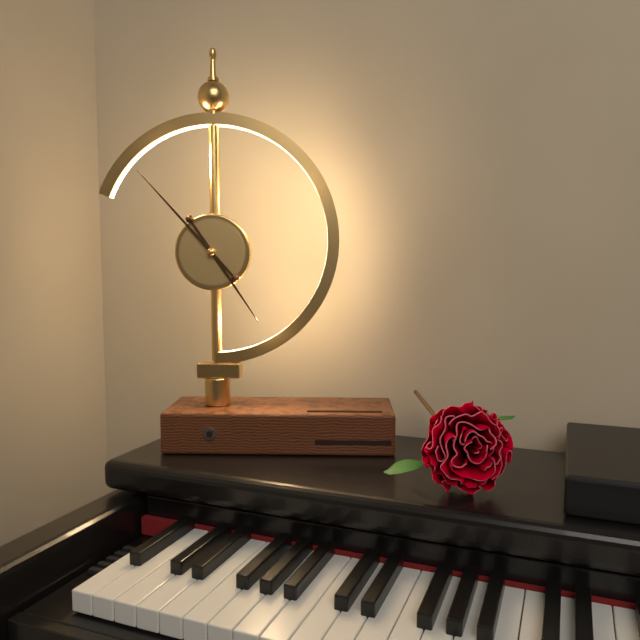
**4:53**
